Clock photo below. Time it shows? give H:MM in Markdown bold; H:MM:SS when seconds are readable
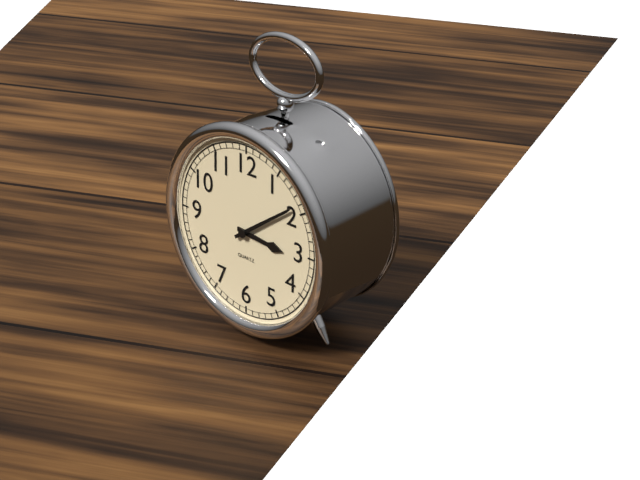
**3:09**
